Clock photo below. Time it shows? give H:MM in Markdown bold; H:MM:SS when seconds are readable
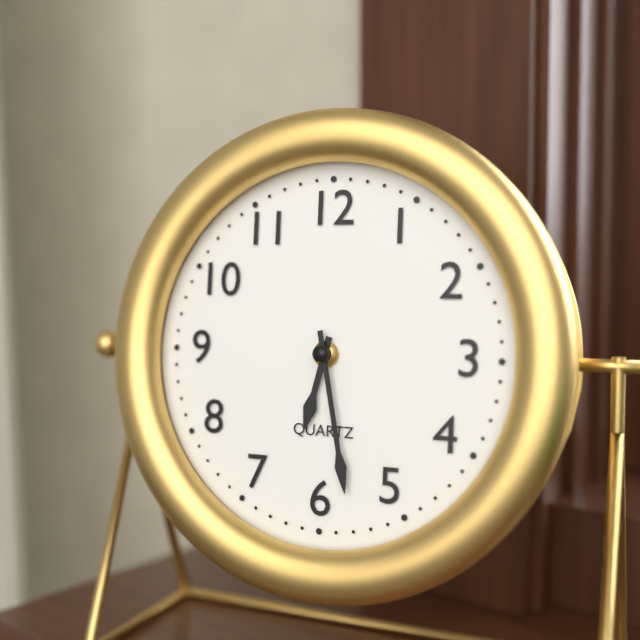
**6:28**
